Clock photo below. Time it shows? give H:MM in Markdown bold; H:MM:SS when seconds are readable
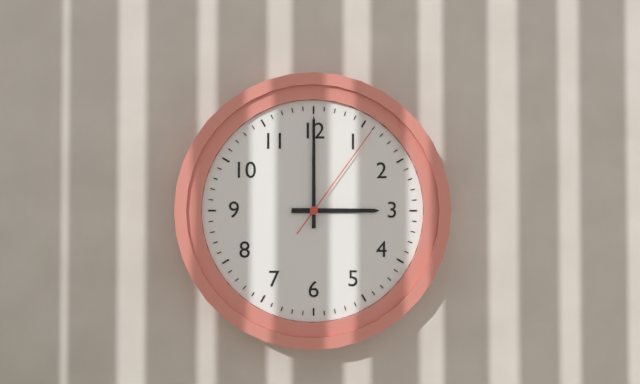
**3:00:06**
